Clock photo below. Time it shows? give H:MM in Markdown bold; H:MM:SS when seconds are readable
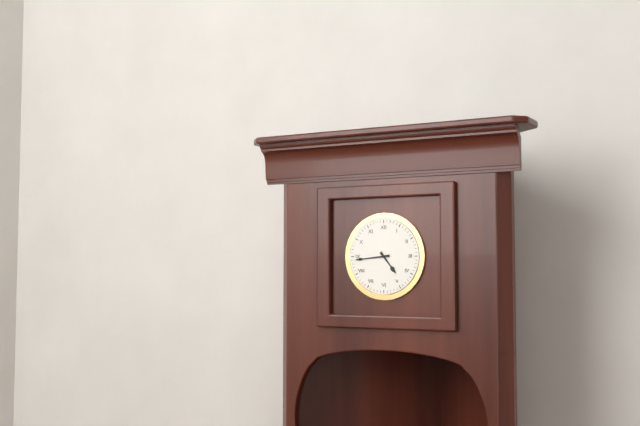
**4:44**
